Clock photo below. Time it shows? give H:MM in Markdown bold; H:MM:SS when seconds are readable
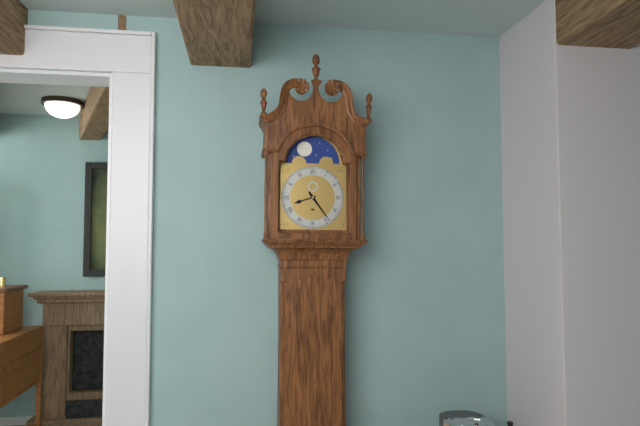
**8:24**
